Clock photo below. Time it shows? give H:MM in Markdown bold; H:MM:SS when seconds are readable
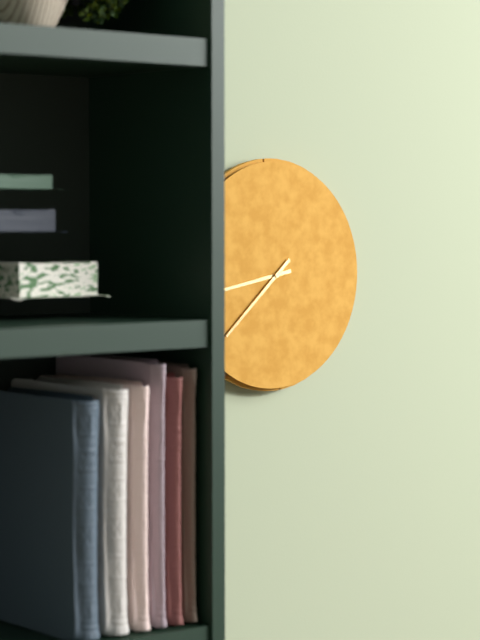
**8:38**
